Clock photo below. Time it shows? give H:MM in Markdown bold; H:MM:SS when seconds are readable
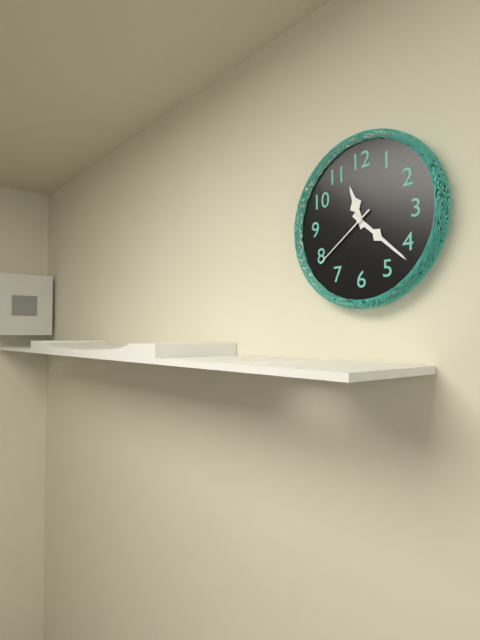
**11:22:39**
